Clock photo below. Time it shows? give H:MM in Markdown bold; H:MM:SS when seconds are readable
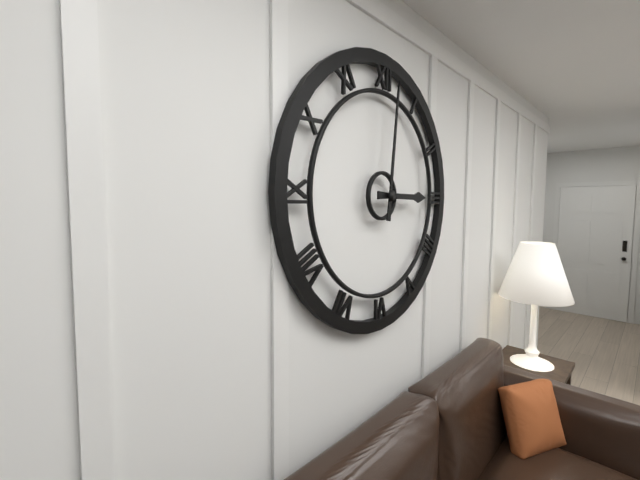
**3:01**
